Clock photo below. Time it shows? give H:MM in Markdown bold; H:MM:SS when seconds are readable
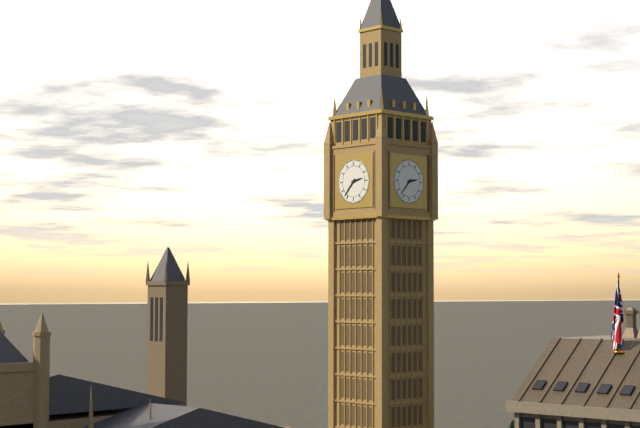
**2:37**
